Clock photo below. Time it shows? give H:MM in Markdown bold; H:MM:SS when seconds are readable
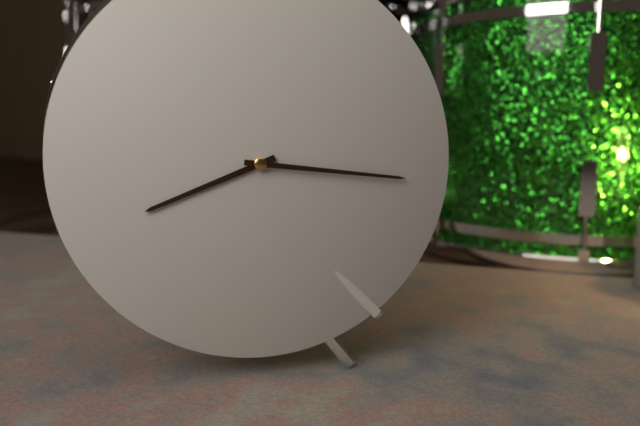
**8:16**
